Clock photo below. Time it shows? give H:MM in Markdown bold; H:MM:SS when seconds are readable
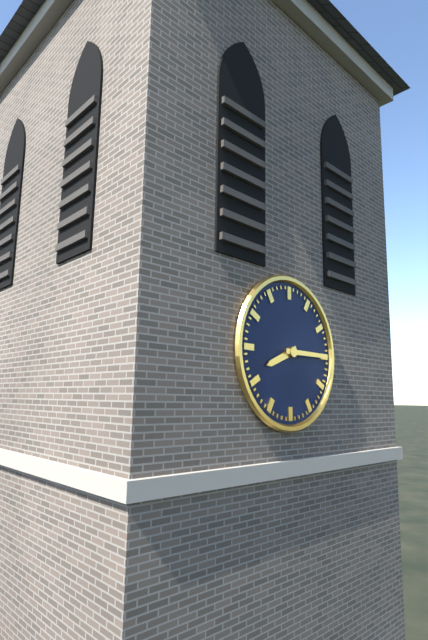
**8:15**
